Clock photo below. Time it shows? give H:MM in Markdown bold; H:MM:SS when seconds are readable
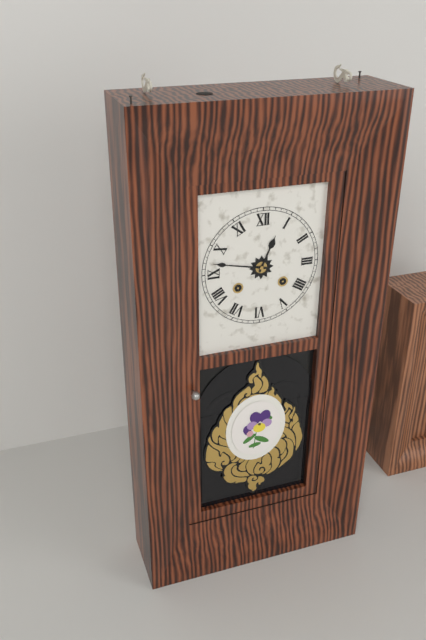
**12:47**
